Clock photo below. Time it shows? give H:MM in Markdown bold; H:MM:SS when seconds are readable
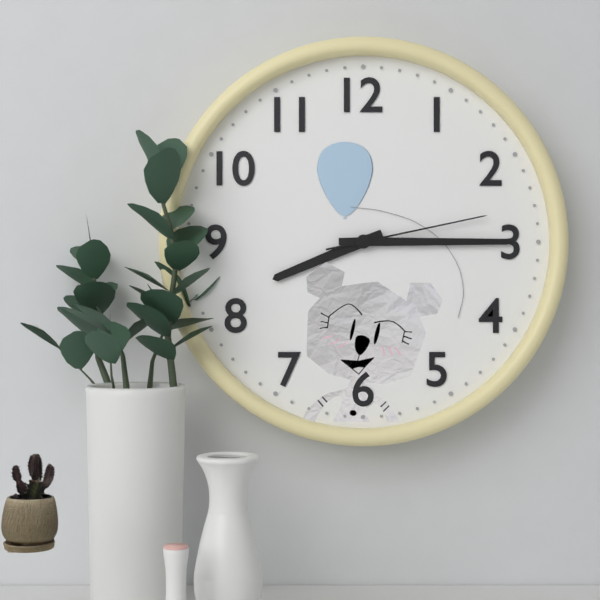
**8:15:13**
